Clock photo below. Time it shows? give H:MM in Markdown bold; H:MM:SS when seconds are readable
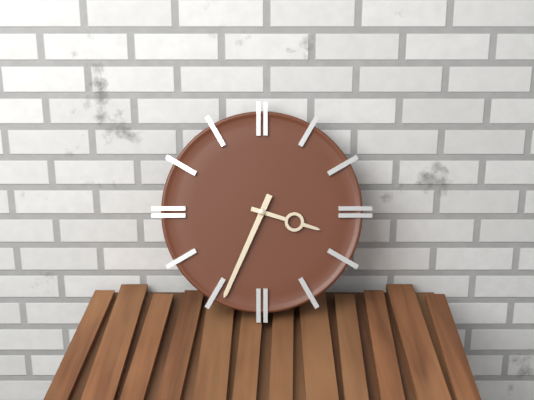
**3:34**
